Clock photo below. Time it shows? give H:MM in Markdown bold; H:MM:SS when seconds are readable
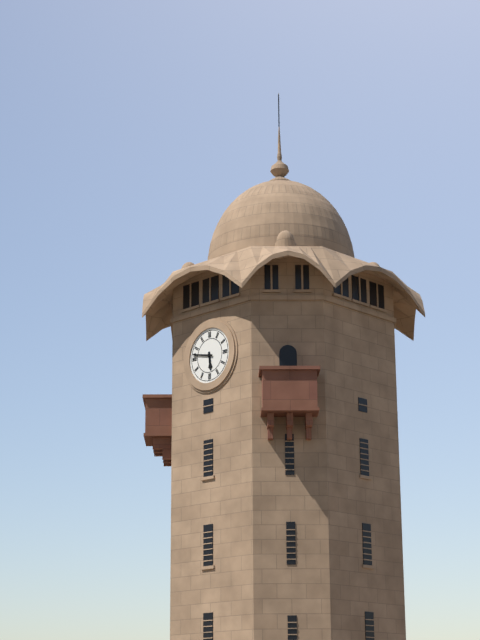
**5:47**
